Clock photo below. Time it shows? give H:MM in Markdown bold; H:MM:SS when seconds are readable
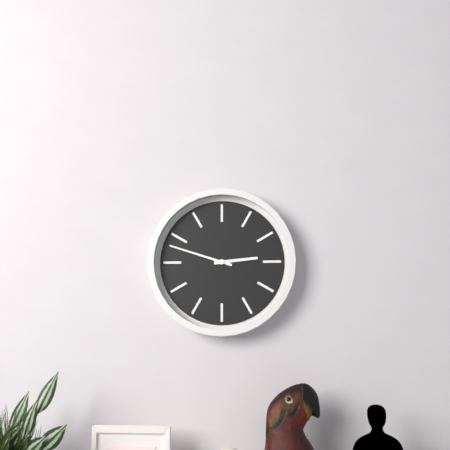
**2:48**
